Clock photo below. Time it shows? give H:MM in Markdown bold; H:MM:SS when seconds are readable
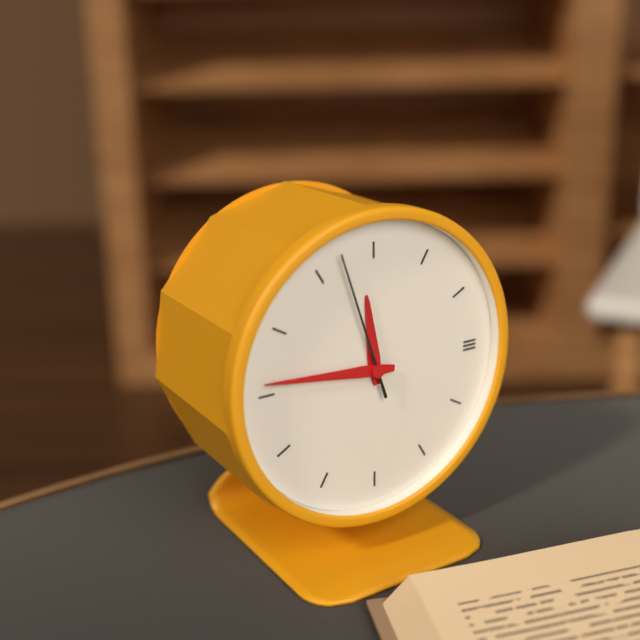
**11:46:57**
